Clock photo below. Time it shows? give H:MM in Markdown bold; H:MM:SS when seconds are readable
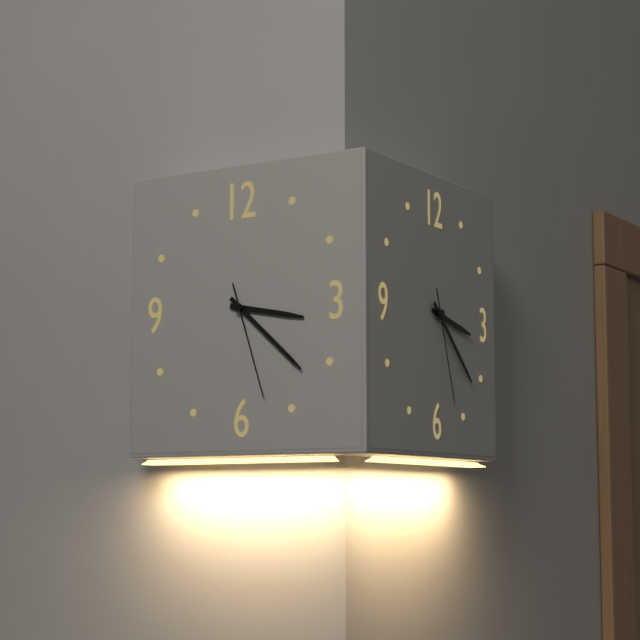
**3:22:27**
